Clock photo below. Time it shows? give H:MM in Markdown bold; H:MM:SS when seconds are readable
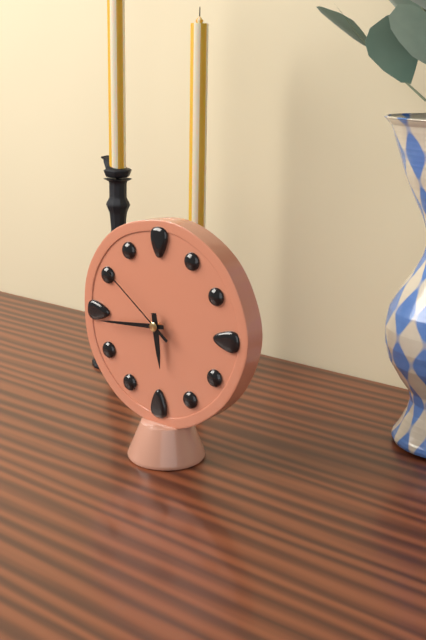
**5:44:51**
